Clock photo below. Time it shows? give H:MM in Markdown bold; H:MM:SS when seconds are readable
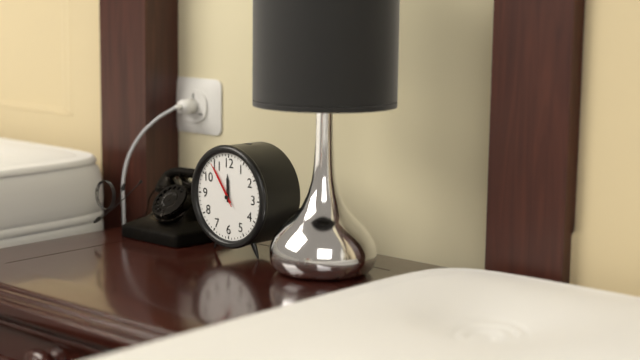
**11:54**
